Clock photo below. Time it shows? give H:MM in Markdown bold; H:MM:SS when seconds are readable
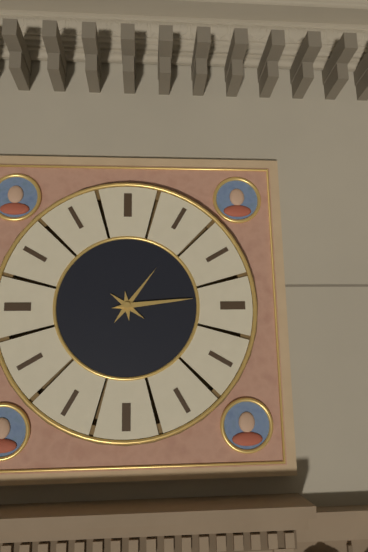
**1:14**
